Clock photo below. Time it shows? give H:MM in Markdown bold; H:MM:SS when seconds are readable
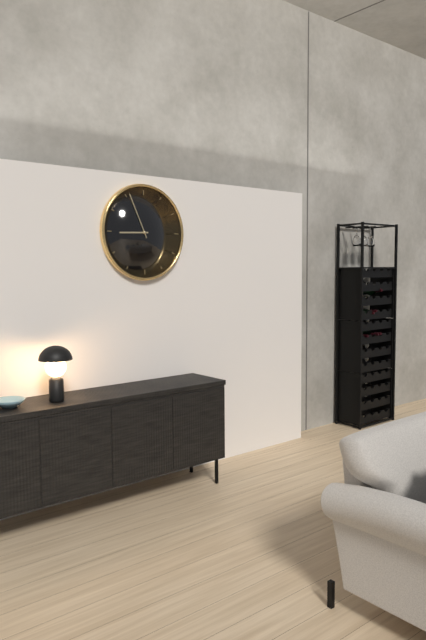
**8:56**
